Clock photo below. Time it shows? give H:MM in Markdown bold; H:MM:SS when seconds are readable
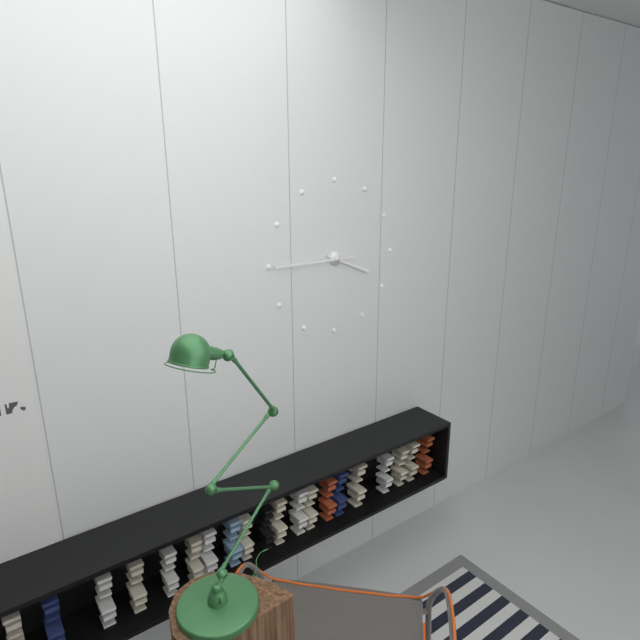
**3:45**
